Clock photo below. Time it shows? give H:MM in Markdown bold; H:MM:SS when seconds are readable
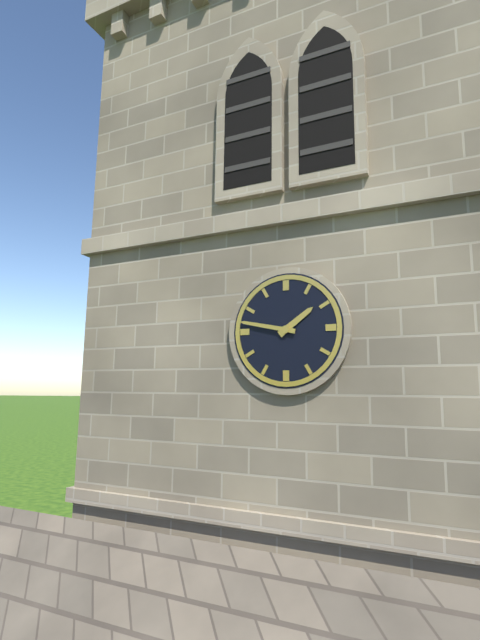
**1:47**
